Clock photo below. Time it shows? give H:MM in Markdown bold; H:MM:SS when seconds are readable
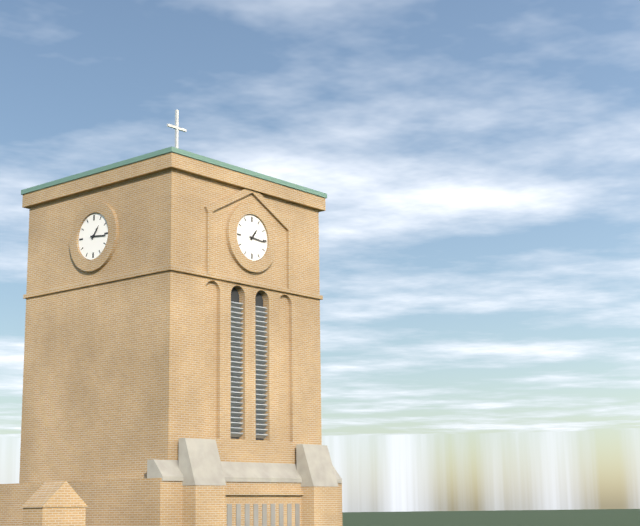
**1:16**
